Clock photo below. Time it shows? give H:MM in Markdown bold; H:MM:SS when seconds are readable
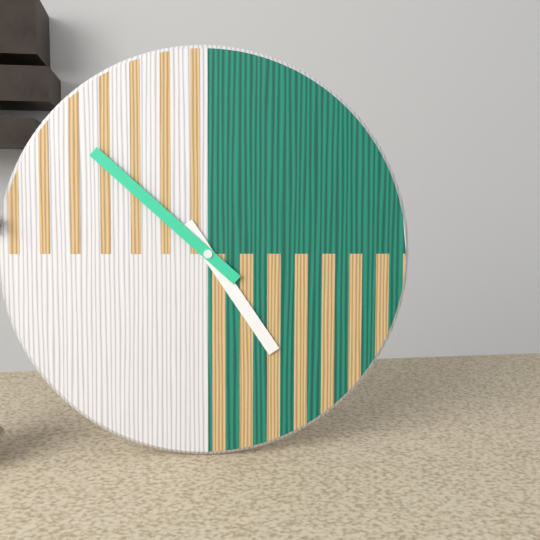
**4:52**
